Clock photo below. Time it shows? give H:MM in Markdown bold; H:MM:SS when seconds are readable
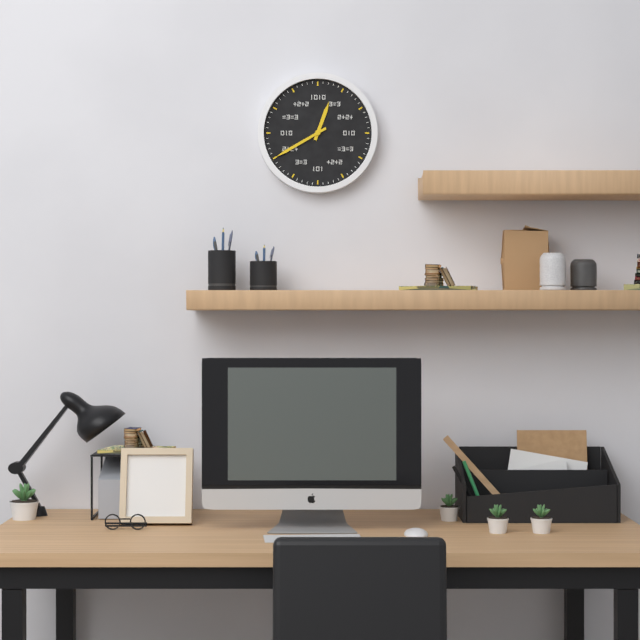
**12:40**
